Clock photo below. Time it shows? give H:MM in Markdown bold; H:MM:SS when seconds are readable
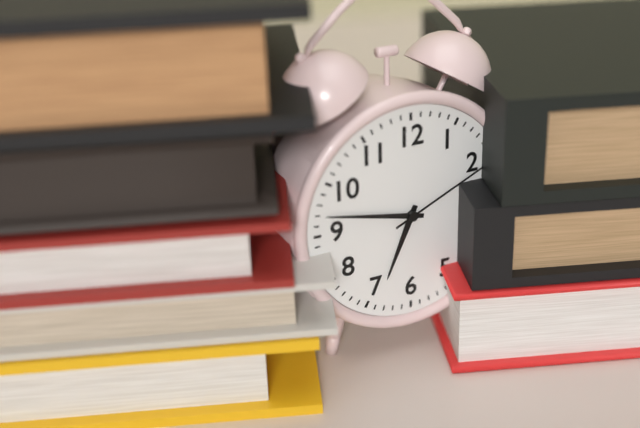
**6:47:11**
